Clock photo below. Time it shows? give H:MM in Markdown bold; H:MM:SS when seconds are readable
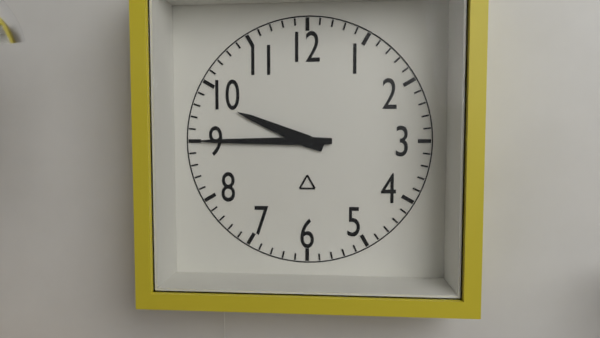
**9:45**
